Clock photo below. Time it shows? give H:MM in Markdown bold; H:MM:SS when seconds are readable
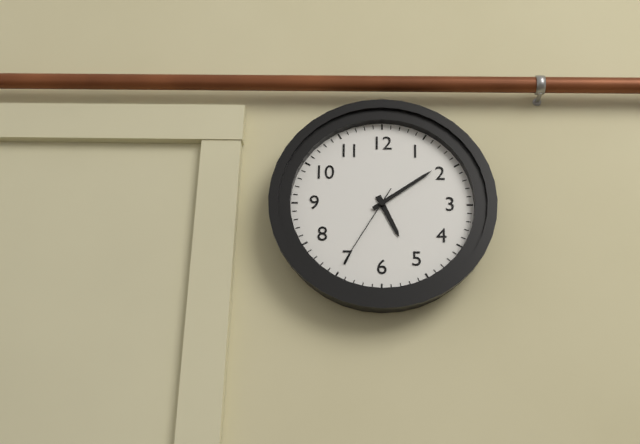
**5:09:35**
